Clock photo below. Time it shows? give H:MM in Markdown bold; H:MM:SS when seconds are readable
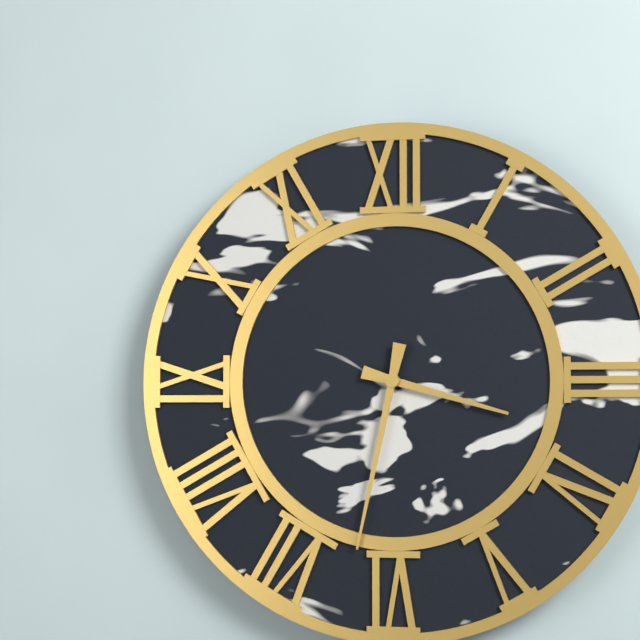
**3:32**
